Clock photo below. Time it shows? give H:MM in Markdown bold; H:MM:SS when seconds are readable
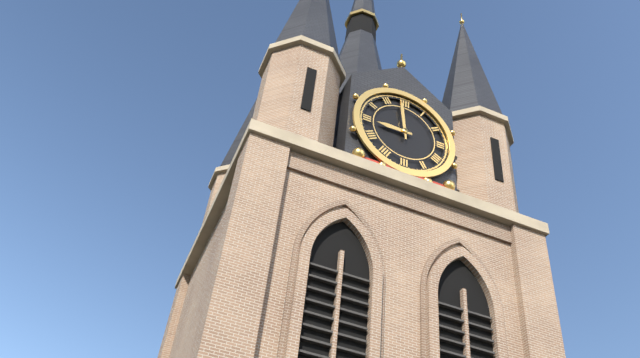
**8:59**
